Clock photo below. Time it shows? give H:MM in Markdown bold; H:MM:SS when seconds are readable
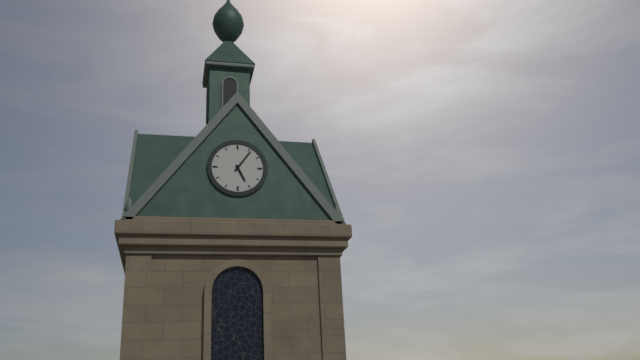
**5:06**
